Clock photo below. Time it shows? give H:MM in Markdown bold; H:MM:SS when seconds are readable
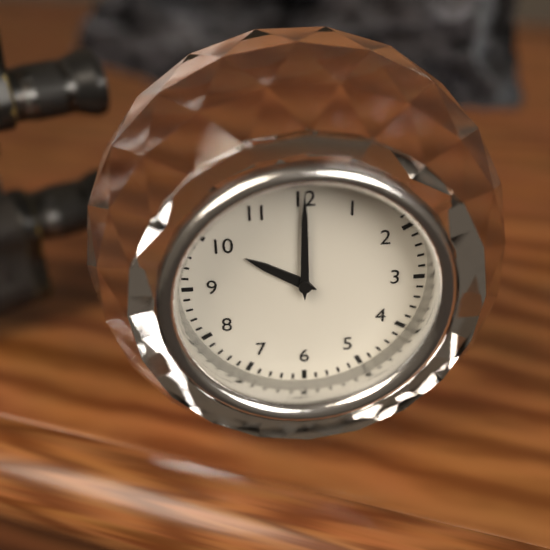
**10:00**
